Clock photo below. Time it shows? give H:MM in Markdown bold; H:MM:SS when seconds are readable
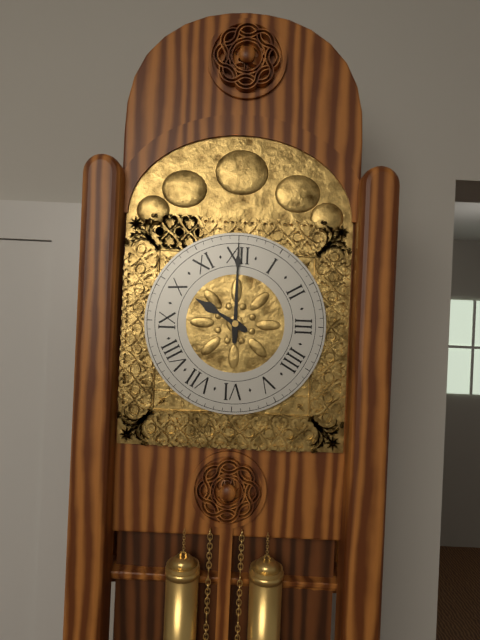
**10:00**
